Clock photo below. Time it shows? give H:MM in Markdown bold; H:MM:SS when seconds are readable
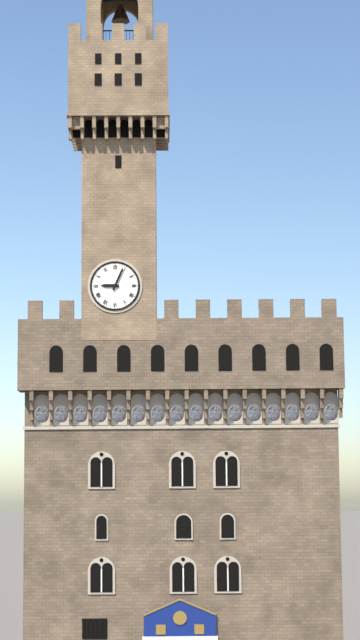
**9:04**
